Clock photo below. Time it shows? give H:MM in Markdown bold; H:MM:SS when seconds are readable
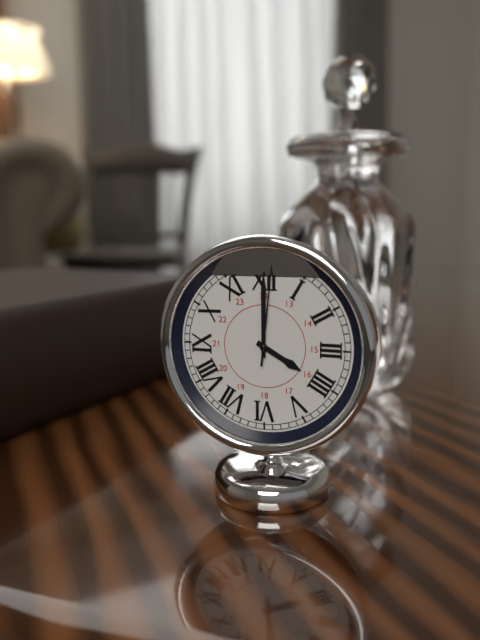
**4:00:01**
